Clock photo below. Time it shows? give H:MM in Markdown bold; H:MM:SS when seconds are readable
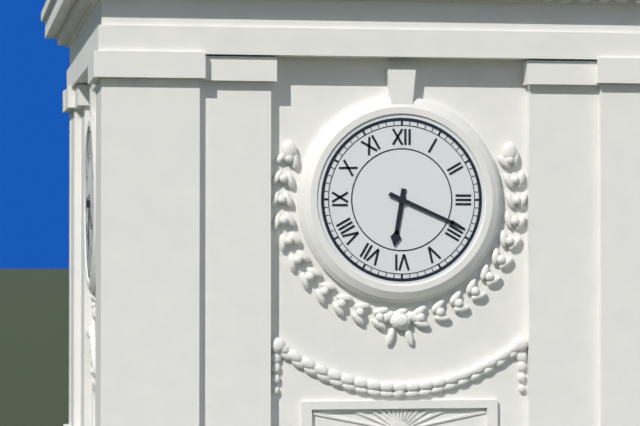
**6:19**
